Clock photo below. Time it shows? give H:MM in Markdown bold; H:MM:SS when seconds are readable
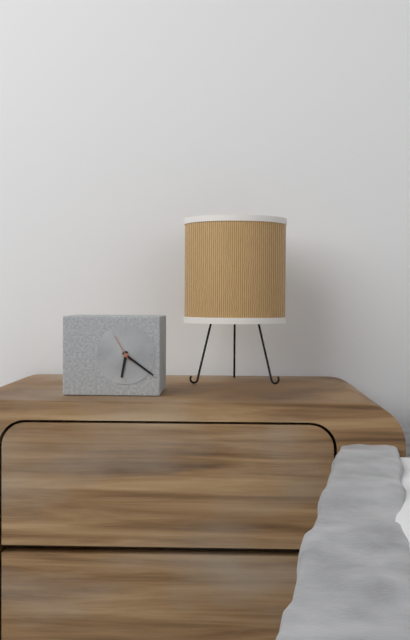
**6:21**
